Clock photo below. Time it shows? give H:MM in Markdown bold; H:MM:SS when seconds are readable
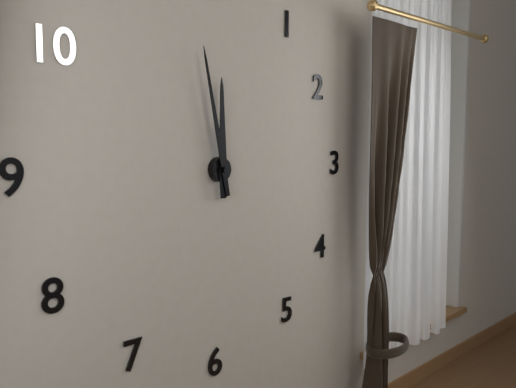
**11:58**
